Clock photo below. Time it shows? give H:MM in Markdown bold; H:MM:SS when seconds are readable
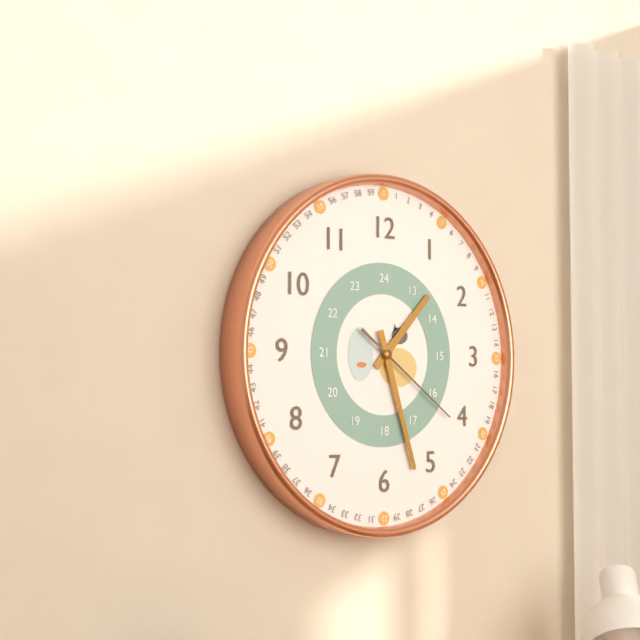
**1:27:21**
